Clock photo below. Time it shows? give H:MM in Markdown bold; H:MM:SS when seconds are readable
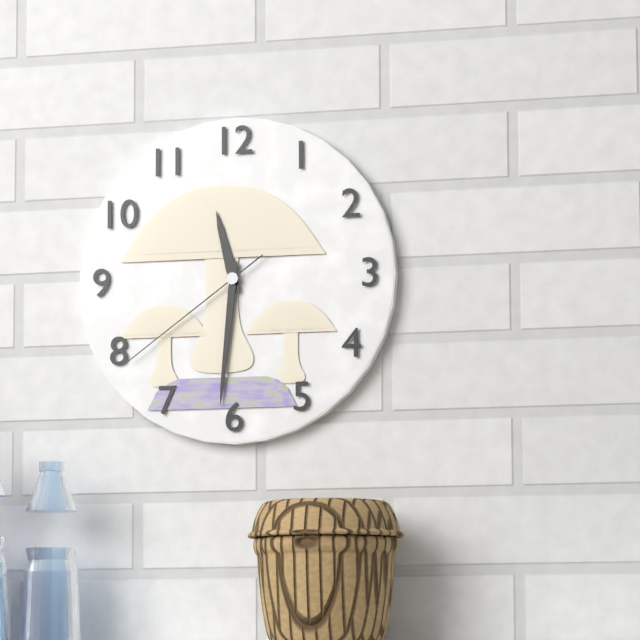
**11:31:39**
